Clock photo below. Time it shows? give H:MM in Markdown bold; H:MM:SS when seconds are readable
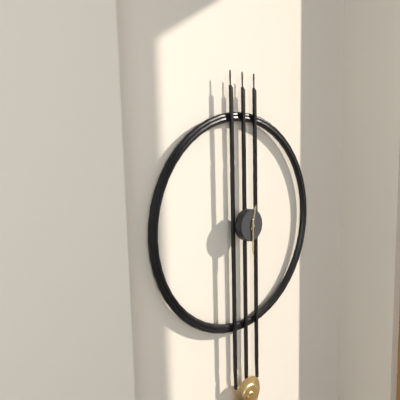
**12:30**
